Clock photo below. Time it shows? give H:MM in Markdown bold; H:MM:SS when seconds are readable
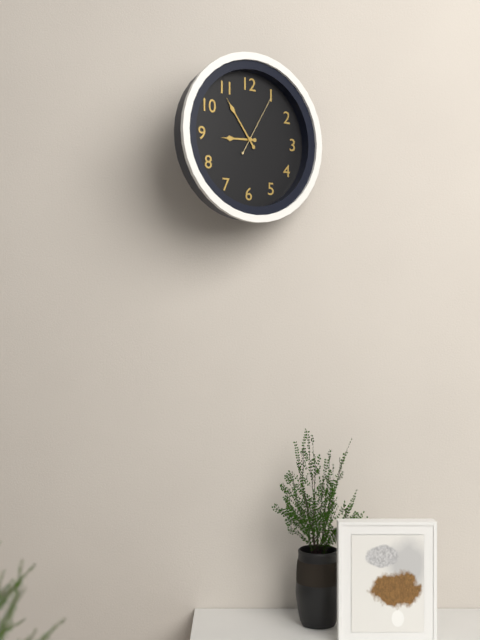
**8:54:05**
